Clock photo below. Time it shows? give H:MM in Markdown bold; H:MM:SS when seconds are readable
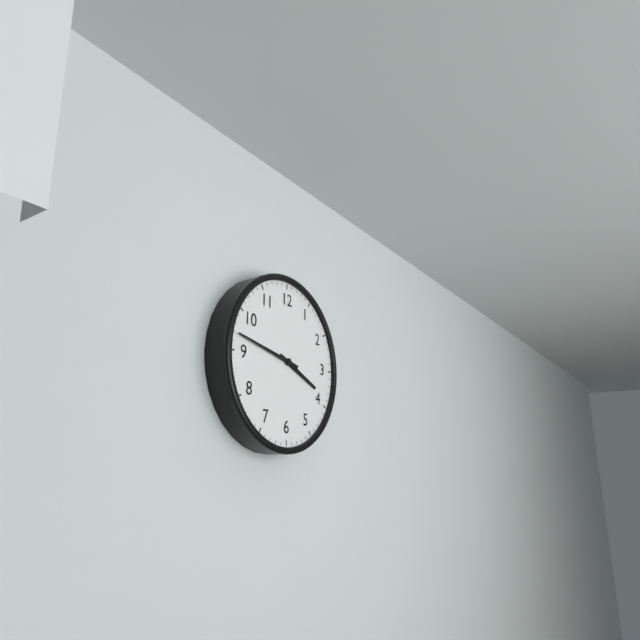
**3:47**
